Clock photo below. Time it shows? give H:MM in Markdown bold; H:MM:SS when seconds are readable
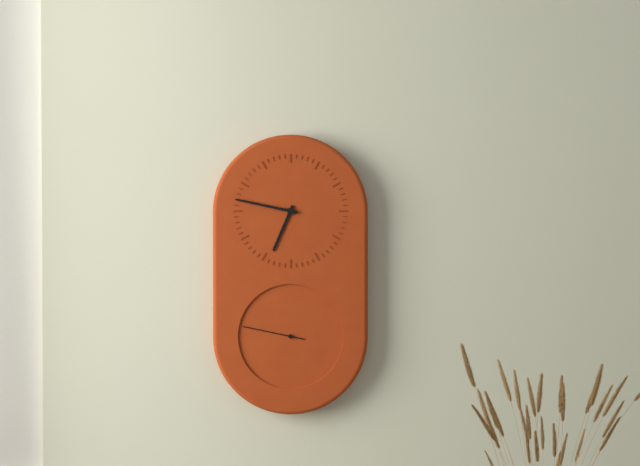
**6:47:47**
